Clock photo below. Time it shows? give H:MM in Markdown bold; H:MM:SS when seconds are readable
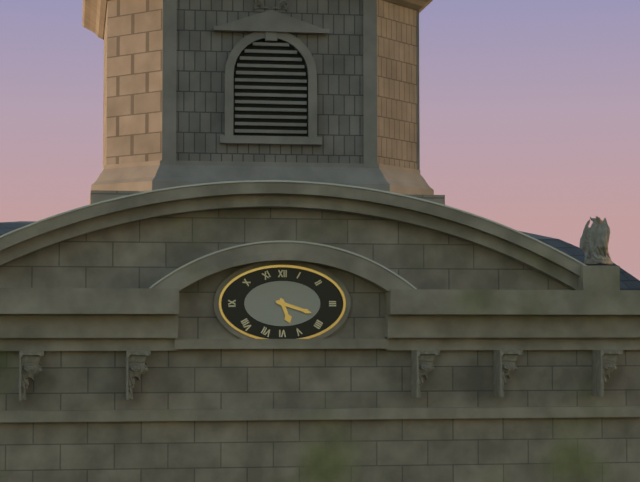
**5:18**
